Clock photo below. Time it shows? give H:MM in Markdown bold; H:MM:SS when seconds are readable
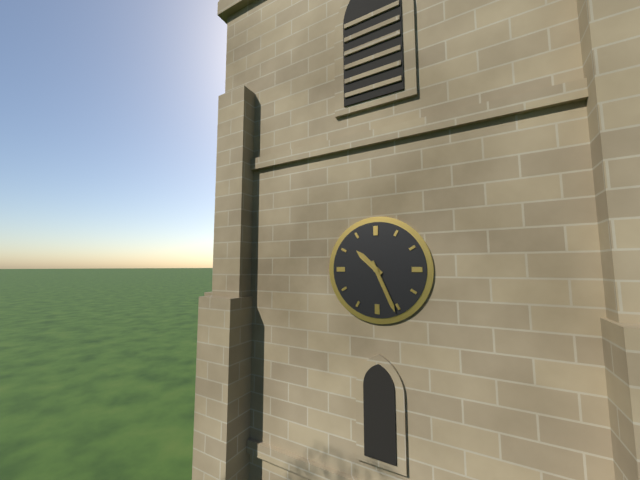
**10:26**
